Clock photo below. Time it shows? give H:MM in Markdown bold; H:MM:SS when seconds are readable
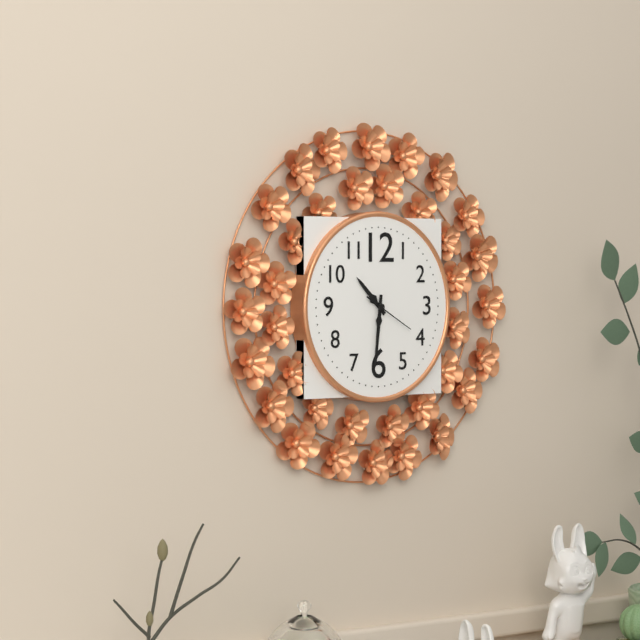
**10:31**
